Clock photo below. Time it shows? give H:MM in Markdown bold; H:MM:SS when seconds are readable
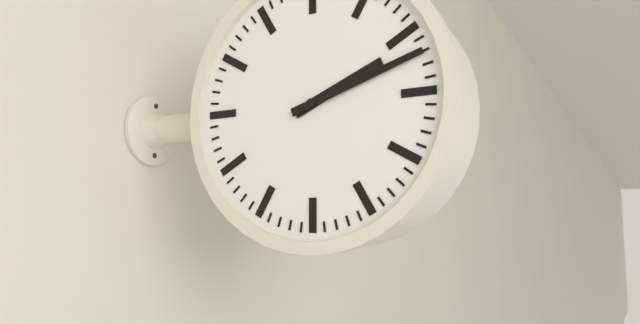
**2:12**
